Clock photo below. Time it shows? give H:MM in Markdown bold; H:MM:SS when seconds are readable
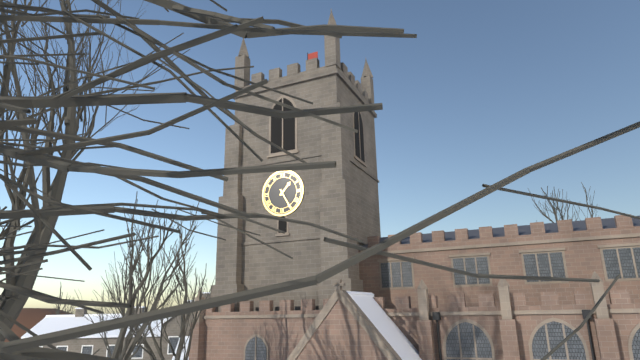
**1:25**
